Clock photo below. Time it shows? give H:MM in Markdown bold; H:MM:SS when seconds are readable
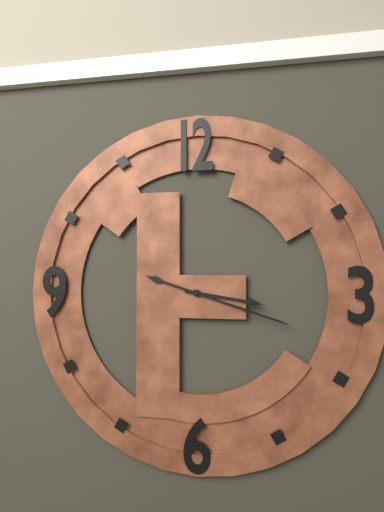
**3:18**
